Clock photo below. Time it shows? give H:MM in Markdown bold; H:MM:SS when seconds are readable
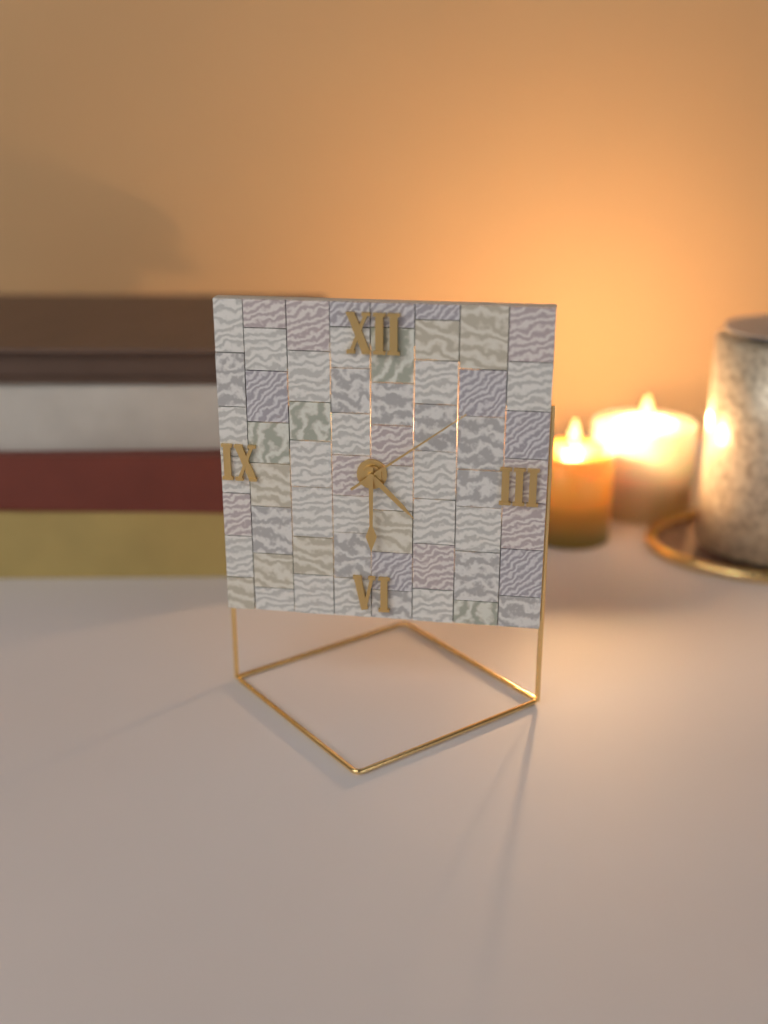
**4:30:09**
